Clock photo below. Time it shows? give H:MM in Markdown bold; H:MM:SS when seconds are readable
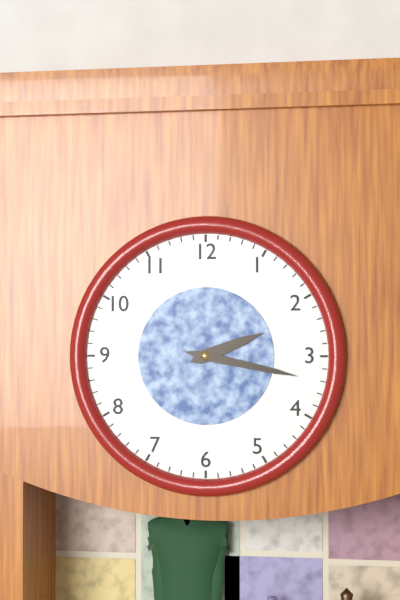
**2:17**
